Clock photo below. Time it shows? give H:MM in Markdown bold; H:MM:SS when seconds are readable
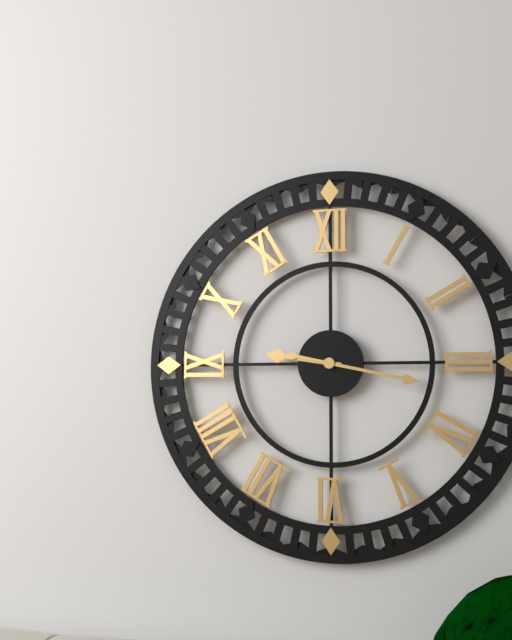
**9:17**
